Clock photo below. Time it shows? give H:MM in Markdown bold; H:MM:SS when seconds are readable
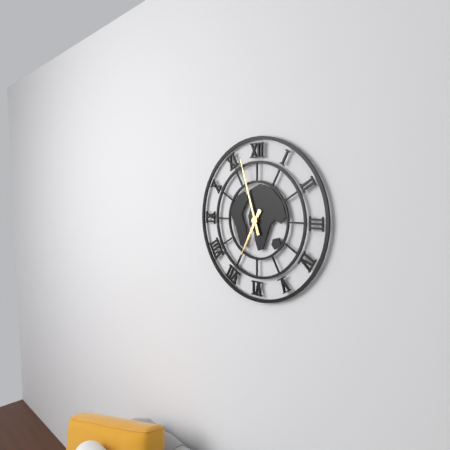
**6:57**
